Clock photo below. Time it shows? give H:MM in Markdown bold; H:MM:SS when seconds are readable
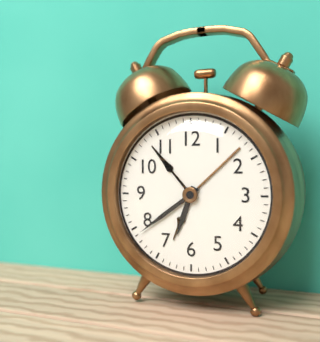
**6:39**
